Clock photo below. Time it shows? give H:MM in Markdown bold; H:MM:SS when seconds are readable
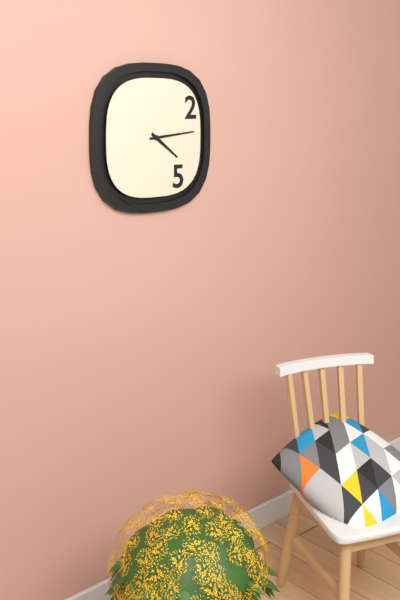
**4:14**
